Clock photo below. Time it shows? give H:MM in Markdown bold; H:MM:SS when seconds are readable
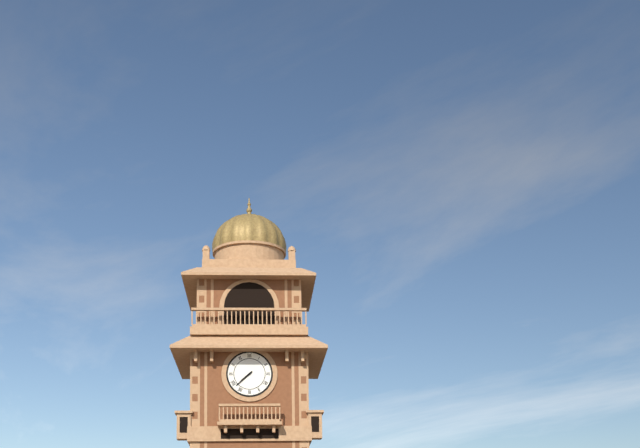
**7:38**
